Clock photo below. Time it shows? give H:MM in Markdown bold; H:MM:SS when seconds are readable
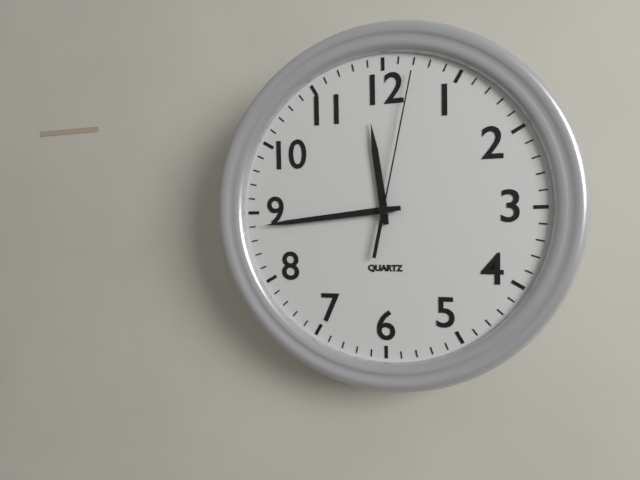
**11:44:02**
